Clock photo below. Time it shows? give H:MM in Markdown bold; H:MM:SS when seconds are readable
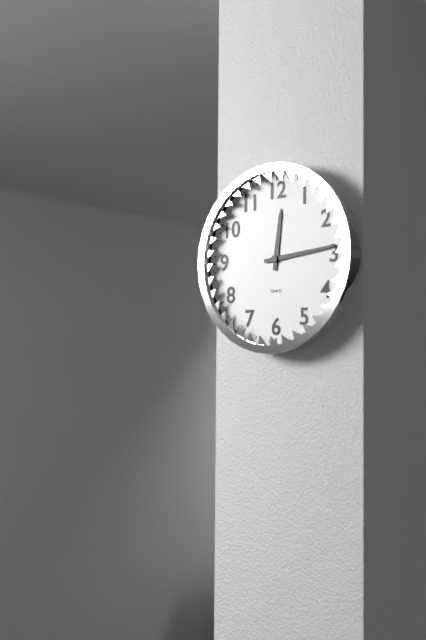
**12:14**
